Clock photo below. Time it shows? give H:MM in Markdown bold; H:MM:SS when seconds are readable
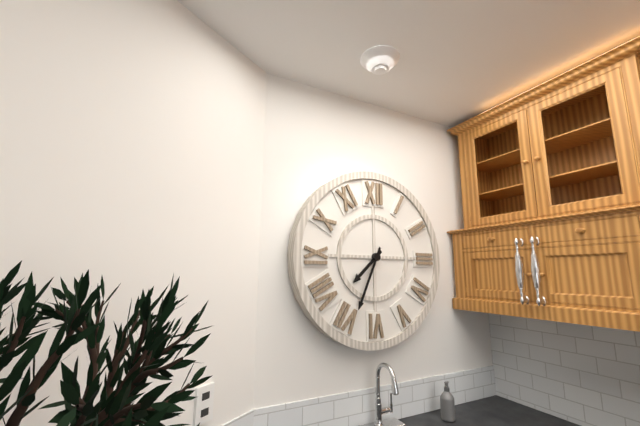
**7:34**
